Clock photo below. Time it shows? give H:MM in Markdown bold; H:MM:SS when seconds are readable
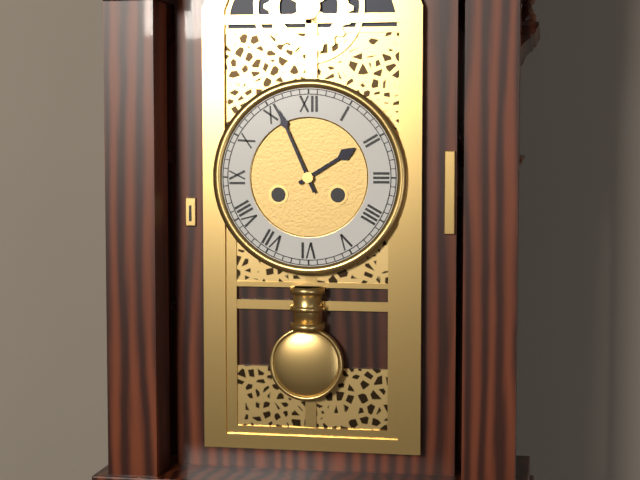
**1:56**
